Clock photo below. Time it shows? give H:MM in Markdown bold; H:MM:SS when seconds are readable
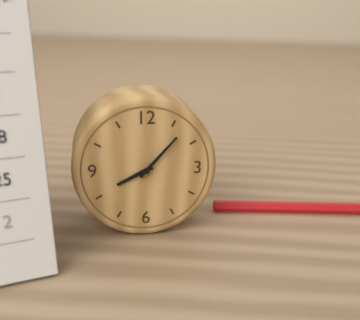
**8:07**
